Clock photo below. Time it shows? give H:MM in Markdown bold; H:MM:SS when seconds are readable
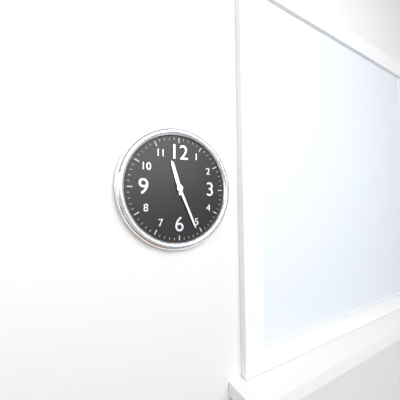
**11:26**
